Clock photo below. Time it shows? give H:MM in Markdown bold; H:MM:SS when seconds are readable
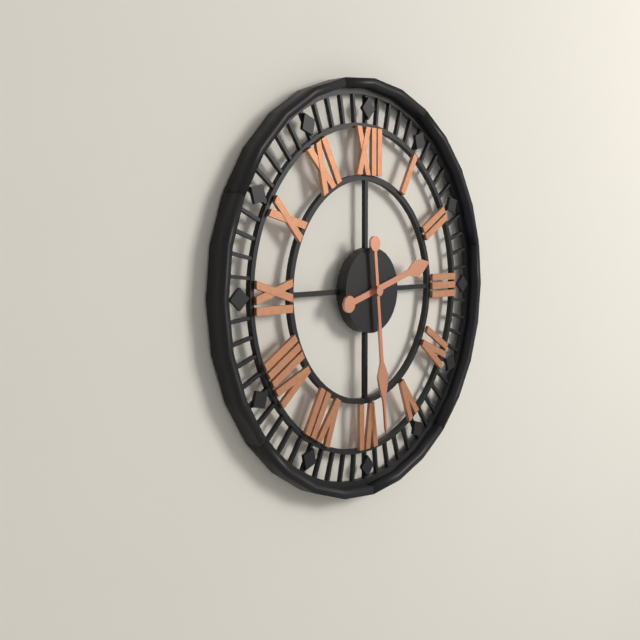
**2:29**
